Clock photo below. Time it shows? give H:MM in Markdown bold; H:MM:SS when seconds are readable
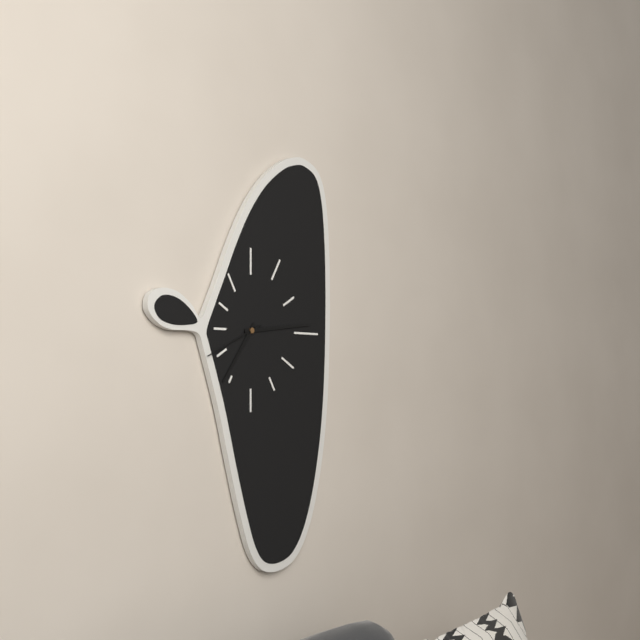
**7:14:41**
